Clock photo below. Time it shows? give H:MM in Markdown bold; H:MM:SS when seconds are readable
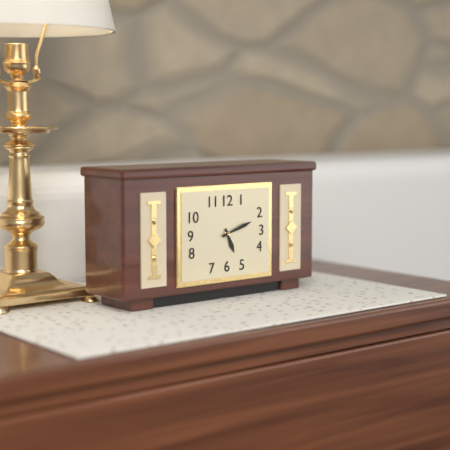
**5:12**
